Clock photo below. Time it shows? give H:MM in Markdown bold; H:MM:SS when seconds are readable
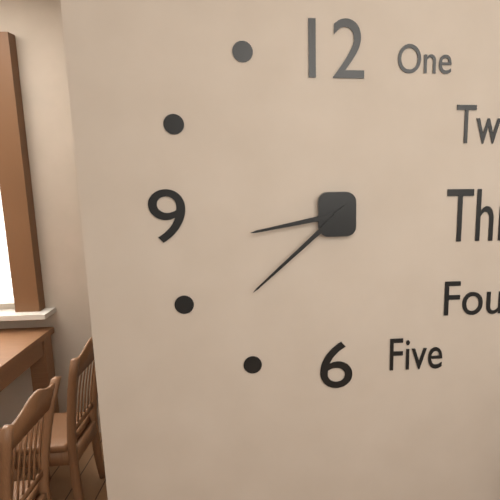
**8:38**
